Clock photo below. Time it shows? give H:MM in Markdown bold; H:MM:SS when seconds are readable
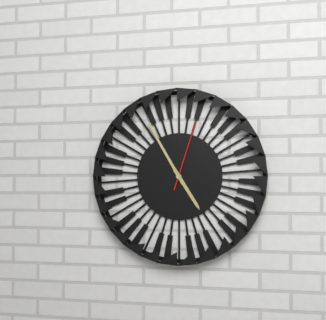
**4:55:03**
